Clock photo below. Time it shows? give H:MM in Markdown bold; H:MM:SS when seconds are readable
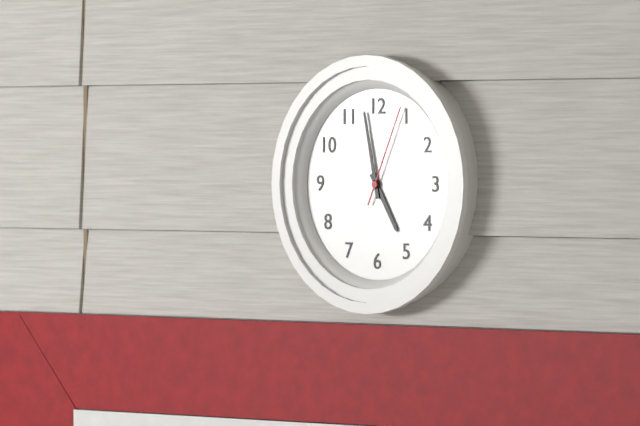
**4:58:04**
